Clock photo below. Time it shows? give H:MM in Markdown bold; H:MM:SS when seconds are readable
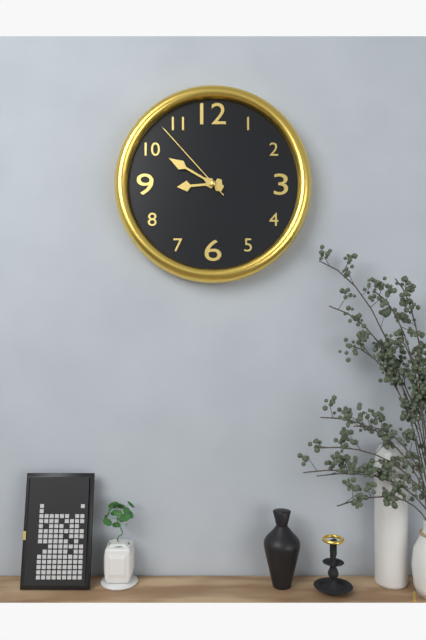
**8:50:53**
